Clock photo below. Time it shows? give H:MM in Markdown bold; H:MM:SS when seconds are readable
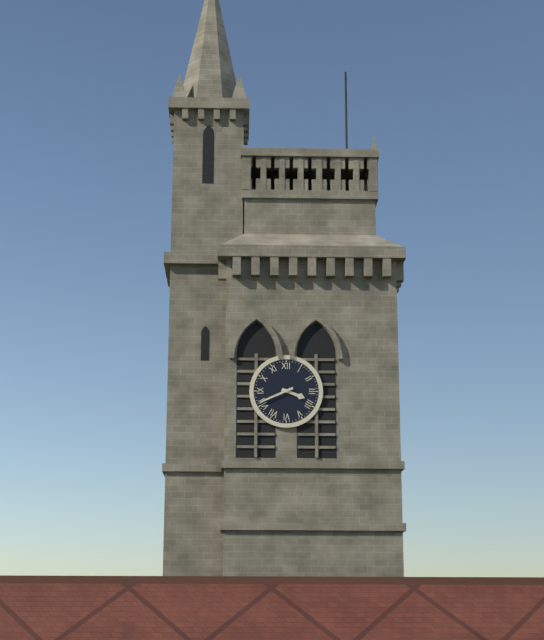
**3:41**
